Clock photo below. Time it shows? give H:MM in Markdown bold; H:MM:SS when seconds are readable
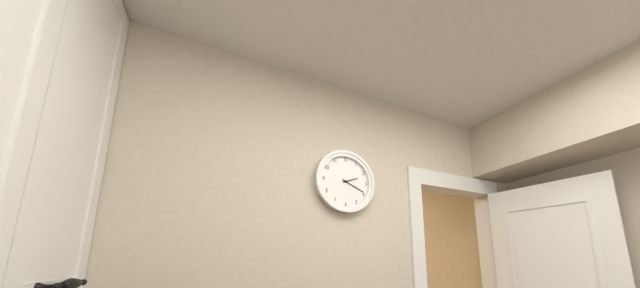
**2:19**
